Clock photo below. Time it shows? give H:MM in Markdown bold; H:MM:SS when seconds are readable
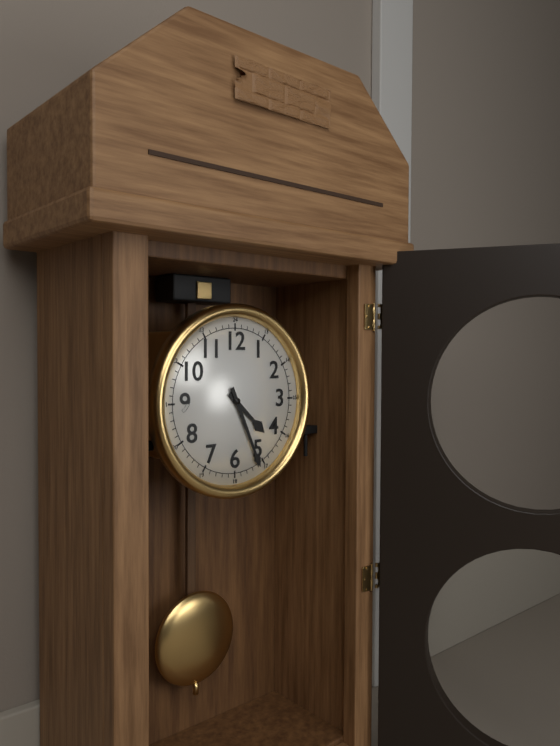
**4:26**
